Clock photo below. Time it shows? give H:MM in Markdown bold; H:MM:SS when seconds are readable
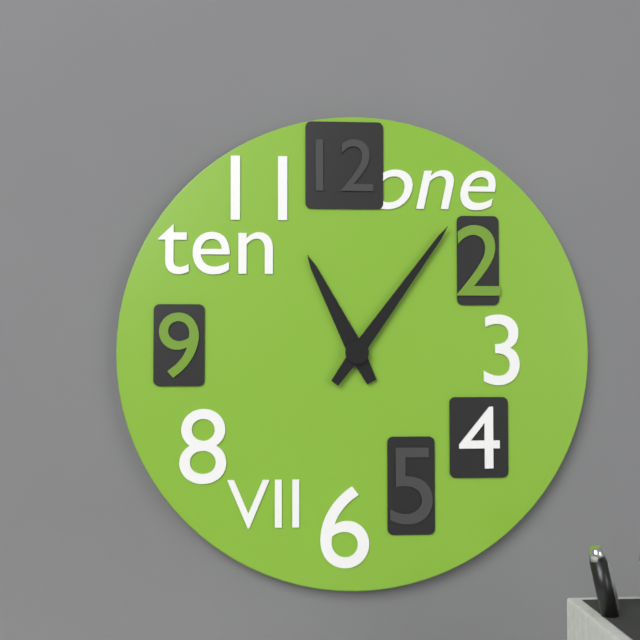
**11:06**
